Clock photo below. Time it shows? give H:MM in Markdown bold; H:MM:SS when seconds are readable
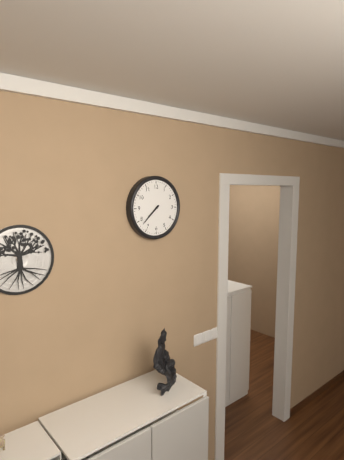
**7:38**
